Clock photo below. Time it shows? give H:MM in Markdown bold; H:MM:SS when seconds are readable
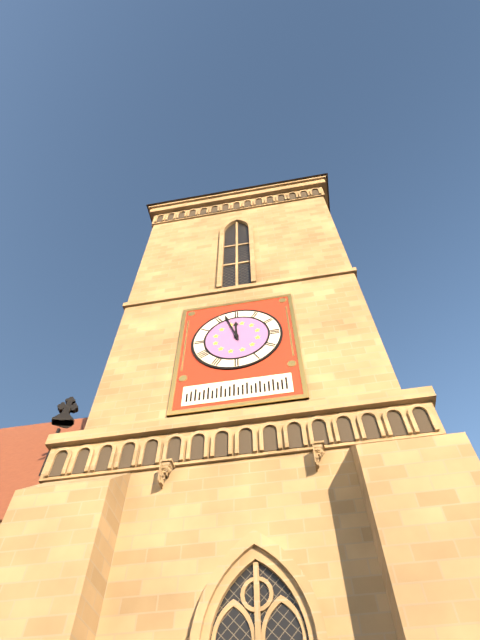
**11:57**
